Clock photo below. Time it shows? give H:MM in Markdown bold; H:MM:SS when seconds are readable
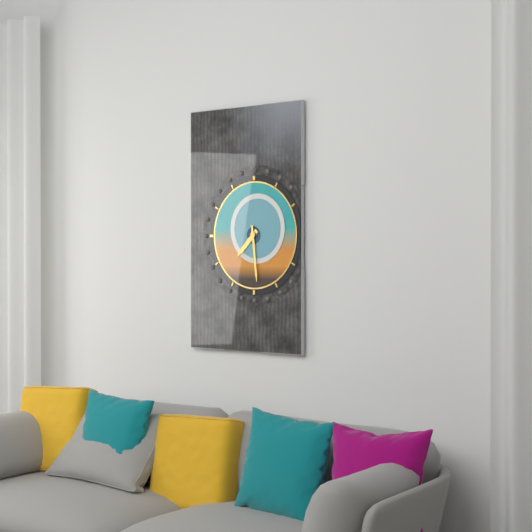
**7:29**
